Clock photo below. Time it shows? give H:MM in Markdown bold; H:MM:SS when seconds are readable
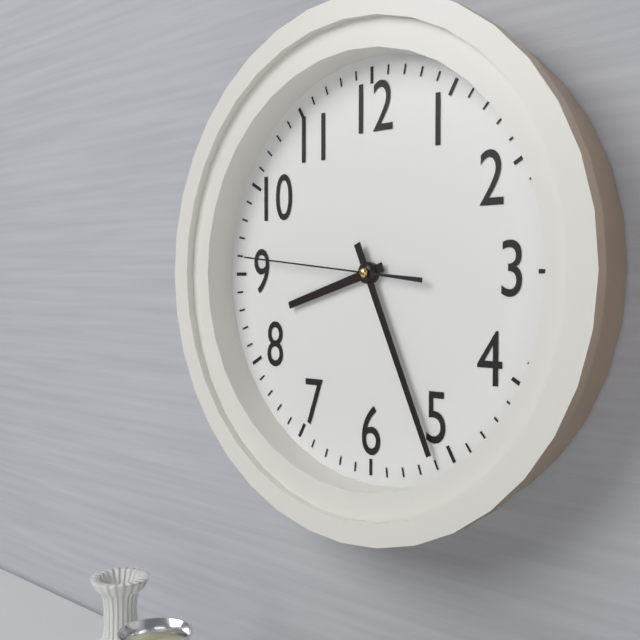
**8:26:46**
